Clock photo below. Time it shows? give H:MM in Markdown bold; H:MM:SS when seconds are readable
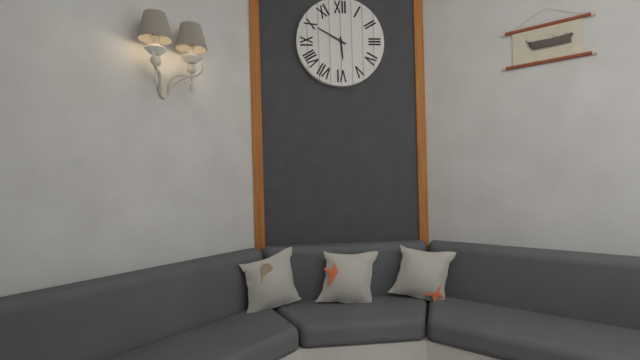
**5:50**
